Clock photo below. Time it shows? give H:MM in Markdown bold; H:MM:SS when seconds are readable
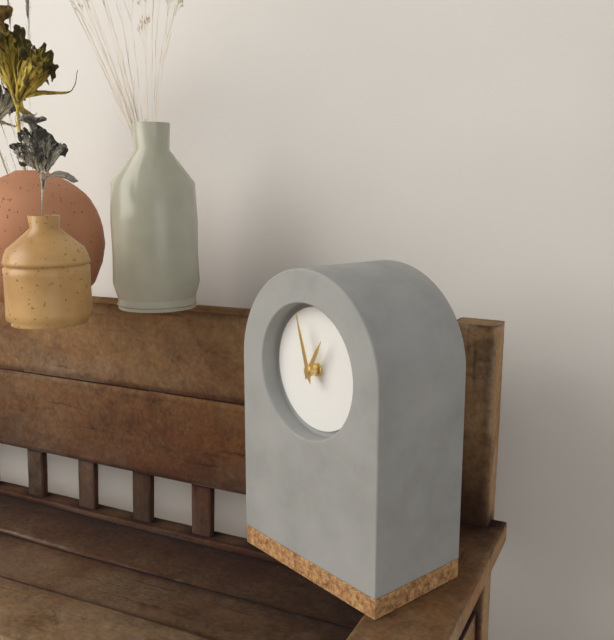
**12:57**
